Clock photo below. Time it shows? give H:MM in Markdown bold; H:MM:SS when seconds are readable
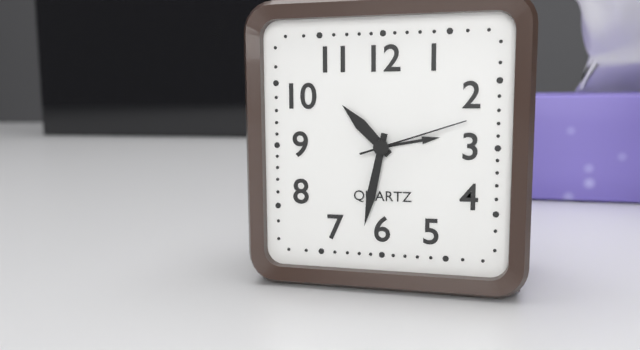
**10:32:12**
